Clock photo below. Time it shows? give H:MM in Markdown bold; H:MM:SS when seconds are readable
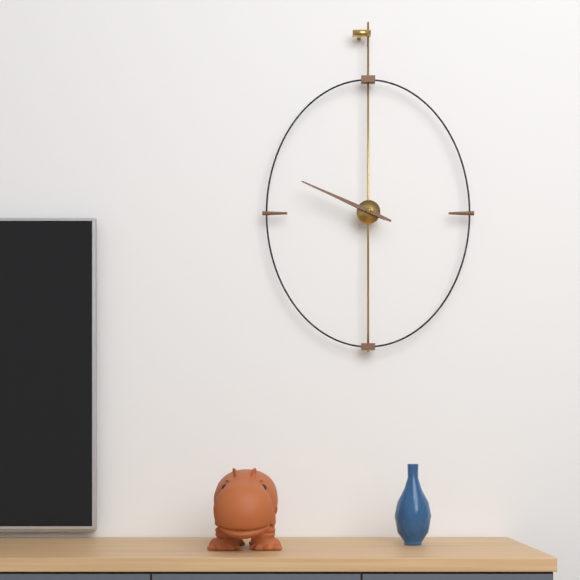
**9:49**
